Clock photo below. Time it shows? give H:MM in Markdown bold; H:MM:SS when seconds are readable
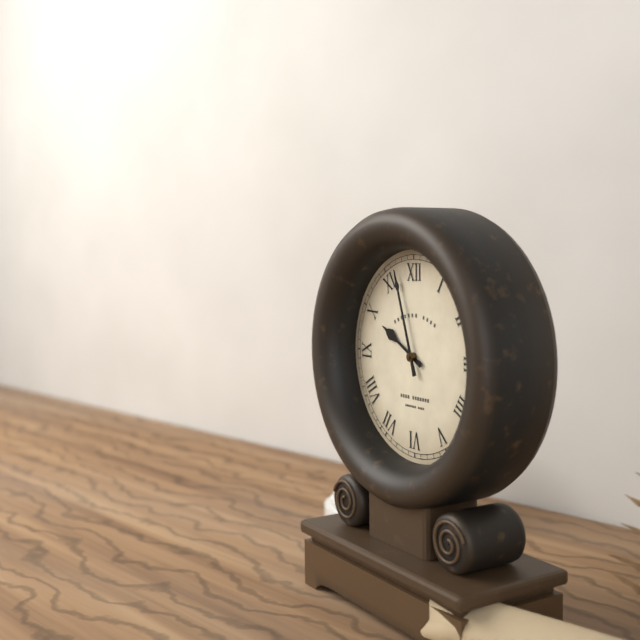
**9:57**
